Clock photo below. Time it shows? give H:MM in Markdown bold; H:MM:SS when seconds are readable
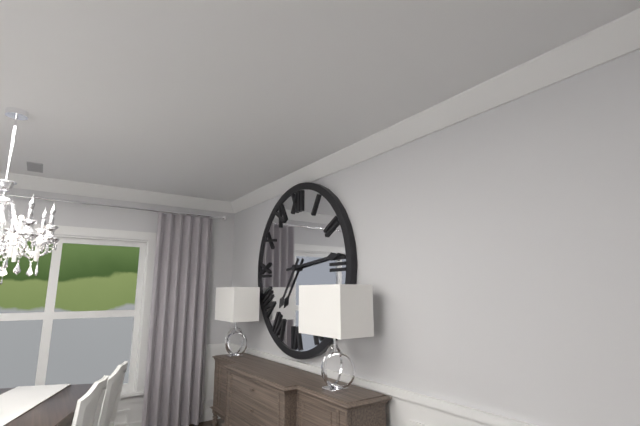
**7:14**
